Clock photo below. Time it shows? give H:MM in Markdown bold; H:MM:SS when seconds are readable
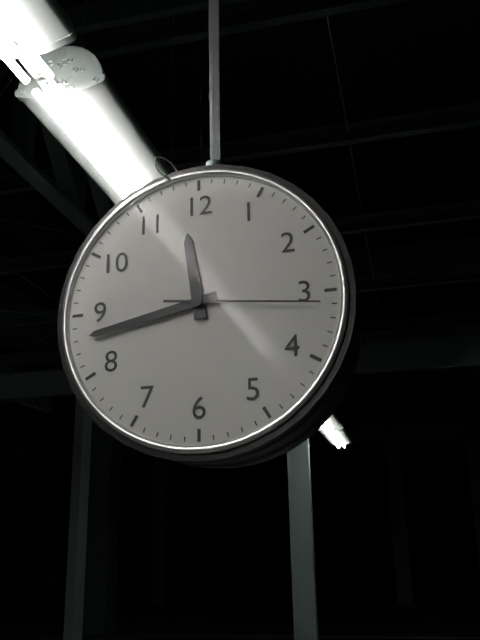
**11:43:16**
